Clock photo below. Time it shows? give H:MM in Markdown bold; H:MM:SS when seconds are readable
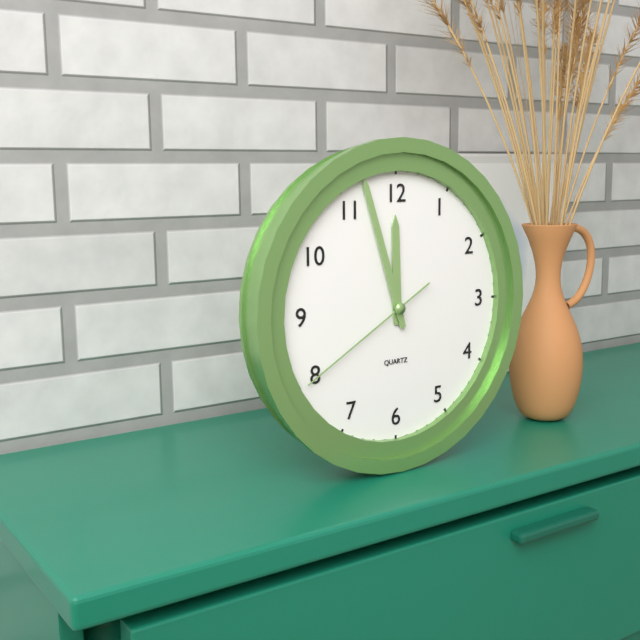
**11:57:40**
